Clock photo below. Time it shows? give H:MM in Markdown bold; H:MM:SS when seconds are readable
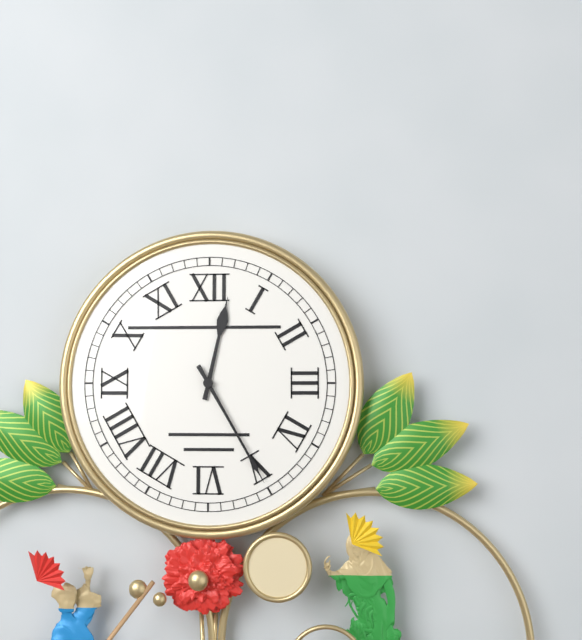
**12:25**
